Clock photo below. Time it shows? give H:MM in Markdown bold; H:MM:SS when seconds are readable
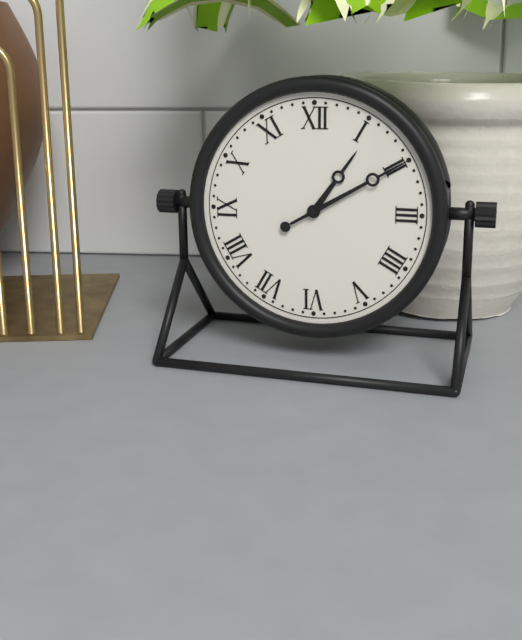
**1:10**
